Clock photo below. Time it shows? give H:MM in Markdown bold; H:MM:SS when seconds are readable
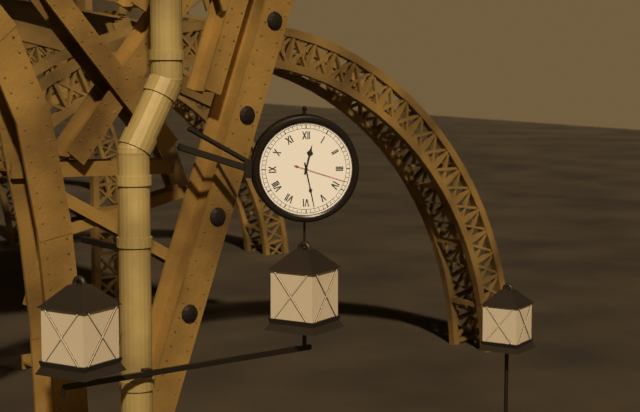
**12:28:18**
